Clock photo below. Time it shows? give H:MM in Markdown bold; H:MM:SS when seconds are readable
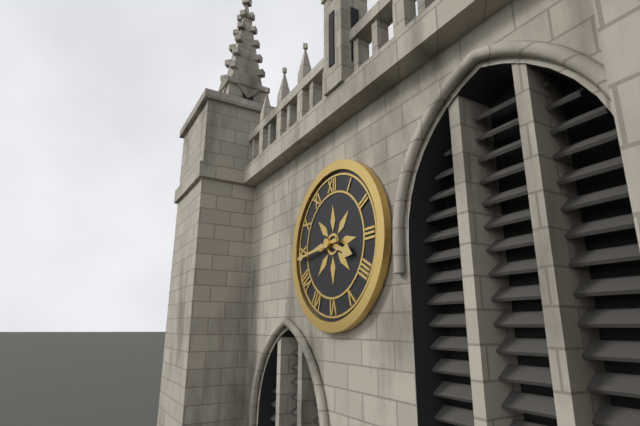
**3:44**
